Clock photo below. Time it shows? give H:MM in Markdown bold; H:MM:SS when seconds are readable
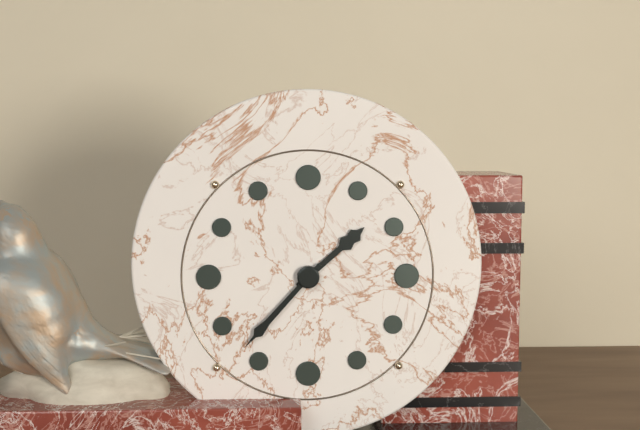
**1:37**
